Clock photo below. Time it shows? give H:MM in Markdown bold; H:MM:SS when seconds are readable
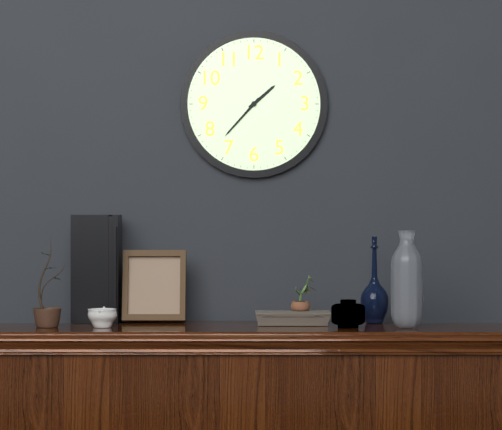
**1:37**
